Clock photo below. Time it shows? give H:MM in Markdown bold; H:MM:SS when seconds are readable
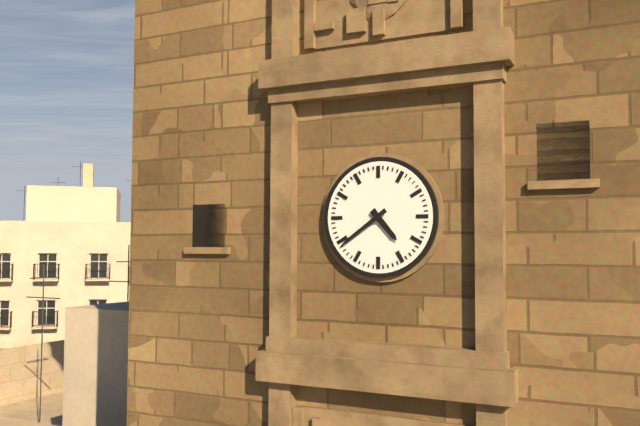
**4:39**
